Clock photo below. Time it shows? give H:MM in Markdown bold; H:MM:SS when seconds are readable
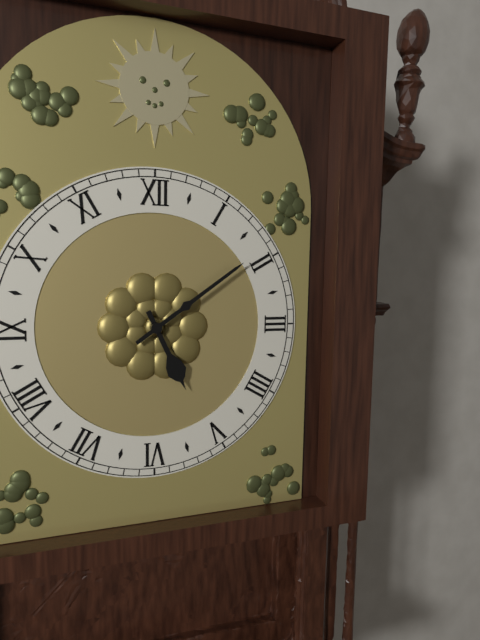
**5:09**
